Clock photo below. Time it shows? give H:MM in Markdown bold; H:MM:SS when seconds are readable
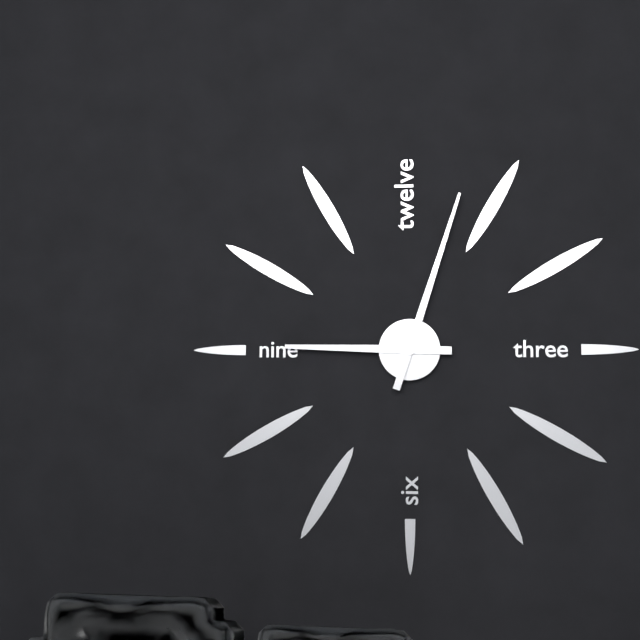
**9:03**
